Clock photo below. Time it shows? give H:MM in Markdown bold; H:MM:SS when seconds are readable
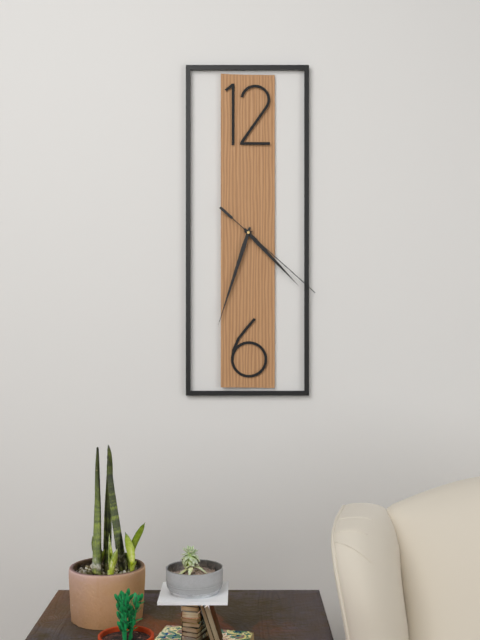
**4:33:22**
